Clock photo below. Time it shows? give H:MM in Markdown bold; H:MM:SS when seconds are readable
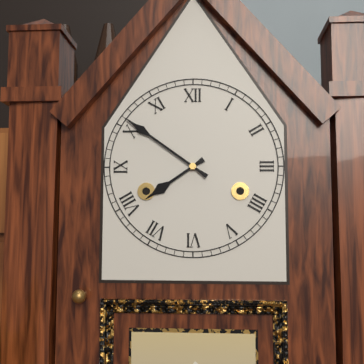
**7:51**
